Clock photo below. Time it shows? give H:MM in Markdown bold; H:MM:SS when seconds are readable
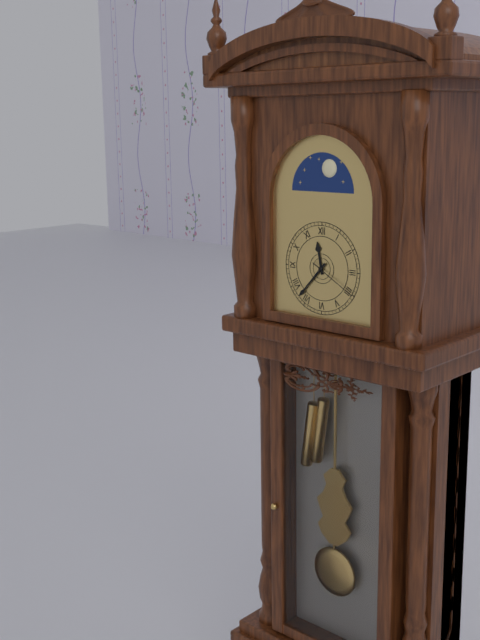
**11:37:20**
